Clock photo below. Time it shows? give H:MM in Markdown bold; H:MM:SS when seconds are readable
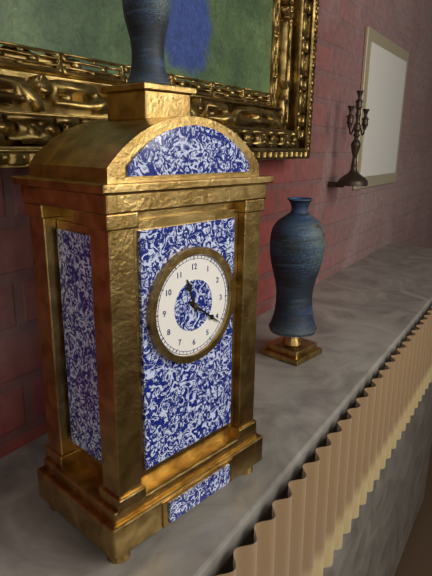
**11:21**
